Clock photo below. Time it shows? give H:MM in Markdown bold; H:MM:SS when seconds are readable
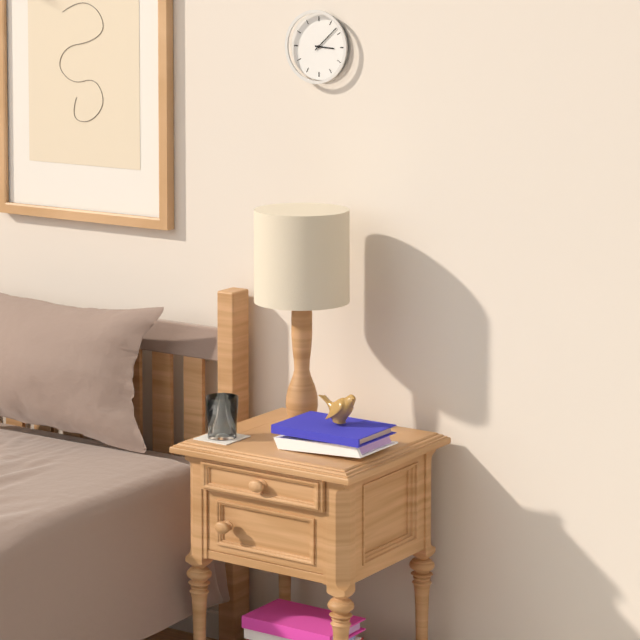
**3:08**
